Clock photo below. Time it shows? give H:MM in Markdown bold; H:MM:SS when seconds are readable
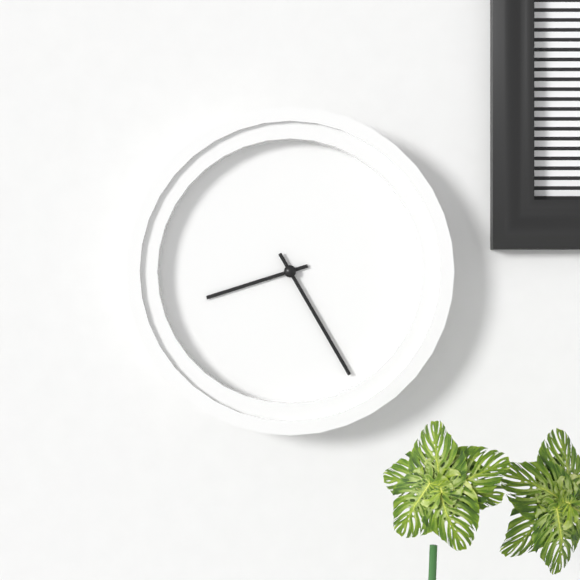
**8:25**
